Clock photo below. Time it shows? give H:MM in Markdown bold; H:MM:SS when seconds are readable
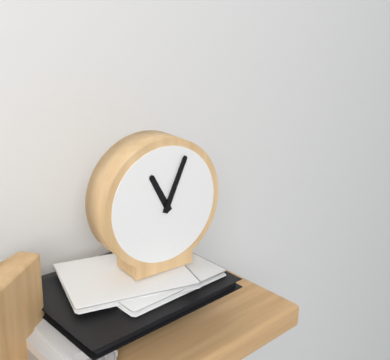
**11:04**
